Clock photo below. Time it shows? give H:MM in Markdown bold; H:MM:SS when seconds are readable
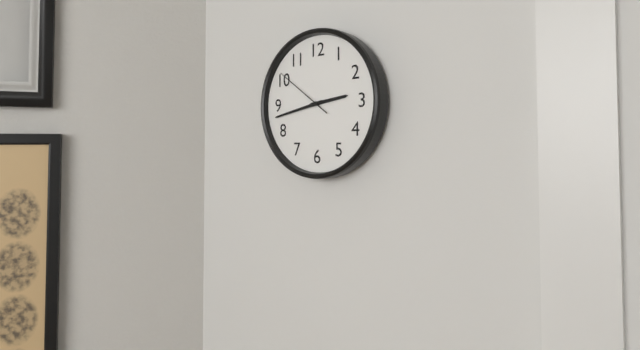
**2:43:51**
